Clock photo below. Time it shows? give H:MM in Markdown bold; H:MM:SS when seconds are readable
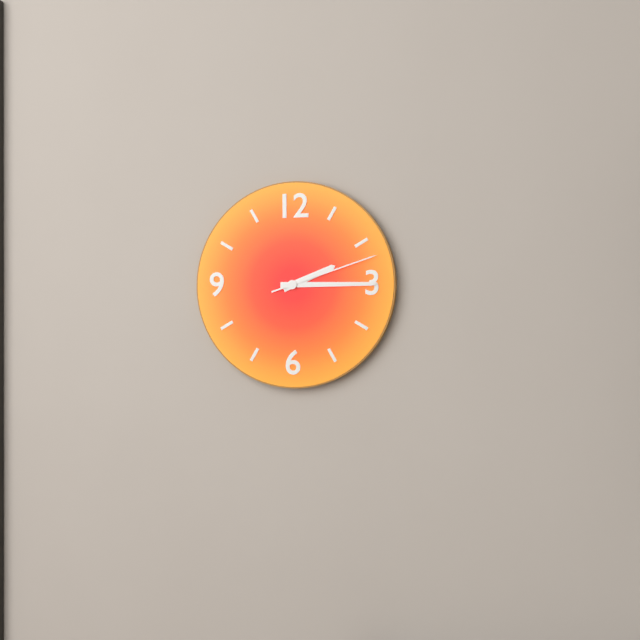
**2:15:12**
